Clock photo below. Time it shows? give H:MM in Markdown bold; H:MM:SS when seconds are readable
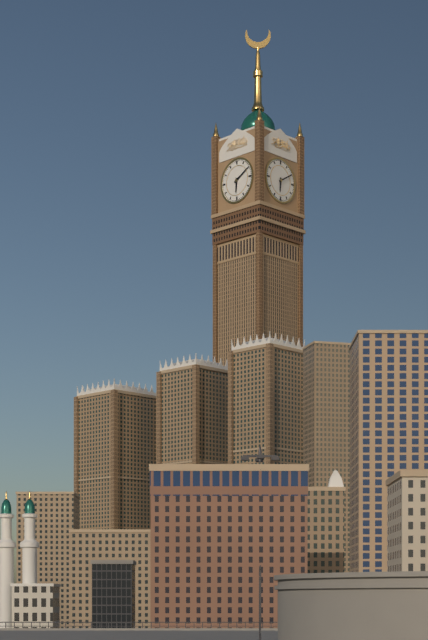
**6:10**
